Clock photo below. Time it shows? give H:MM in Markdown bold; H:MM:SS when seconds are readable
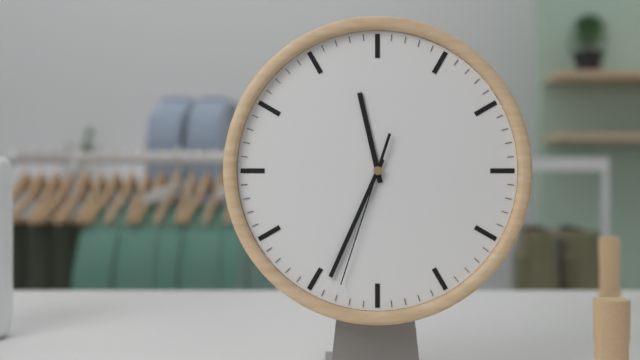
**11:34:33**
